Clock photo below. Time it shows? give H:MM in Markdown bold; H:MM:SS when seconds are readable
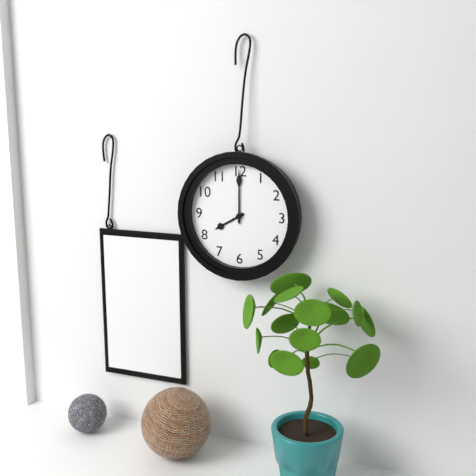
**8:00**
